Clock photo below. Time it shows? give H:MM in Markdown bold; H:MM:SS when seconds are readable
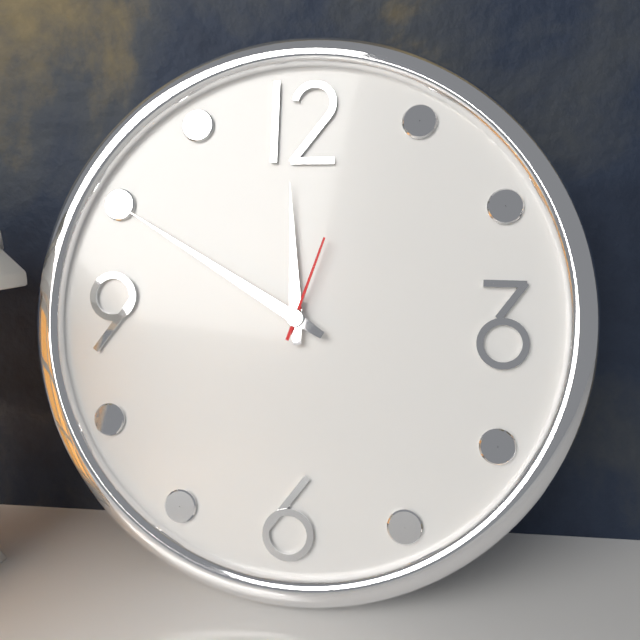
**11:50:03**
